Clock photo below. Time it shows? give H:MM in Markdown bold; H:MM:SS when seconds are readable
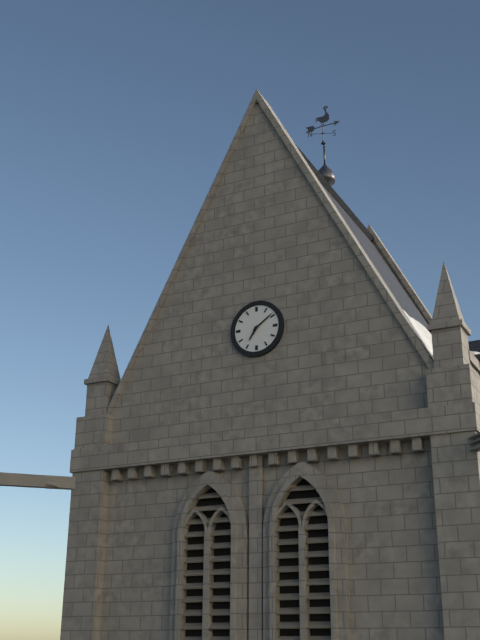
**7:09**
